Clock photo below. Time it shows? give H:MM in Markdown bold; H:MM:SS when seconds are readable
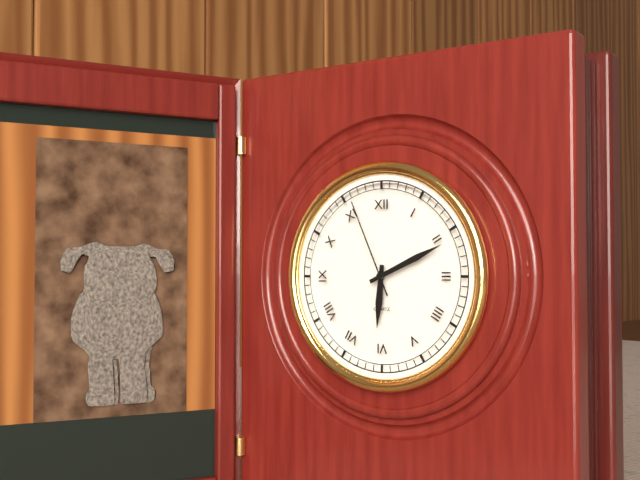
**6:11:56**
